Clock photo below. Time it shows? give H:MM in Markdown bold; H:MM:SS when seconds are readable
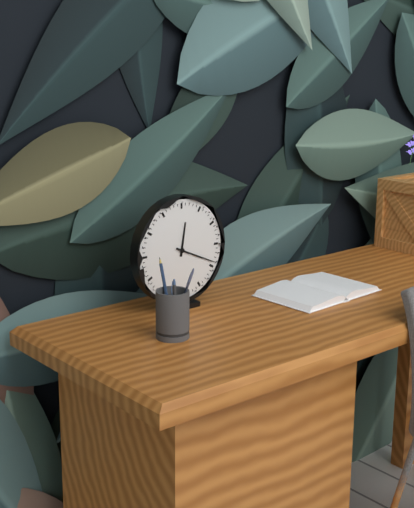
**12:19**
